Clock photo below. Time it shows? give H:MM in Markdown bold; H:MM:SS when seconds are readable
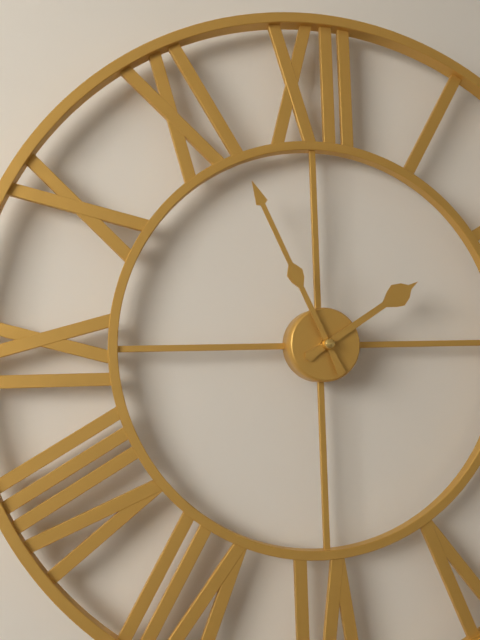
**1:56**
